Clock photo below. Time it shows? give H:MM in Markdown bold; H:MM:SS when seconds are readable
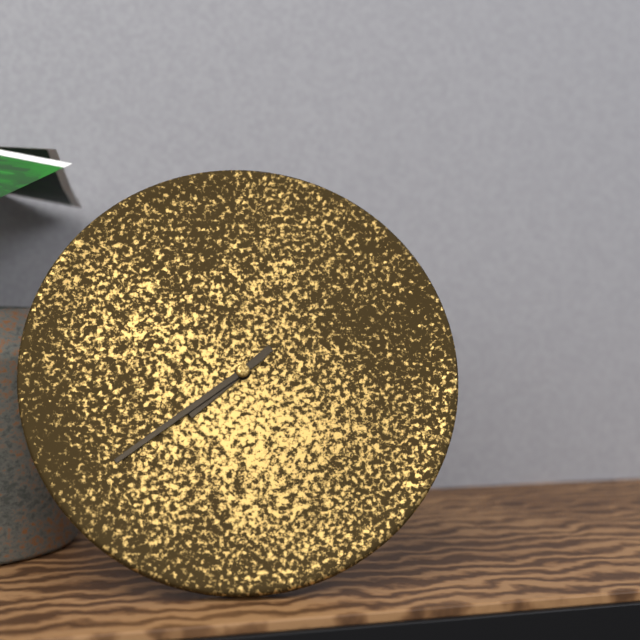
**7:39**
